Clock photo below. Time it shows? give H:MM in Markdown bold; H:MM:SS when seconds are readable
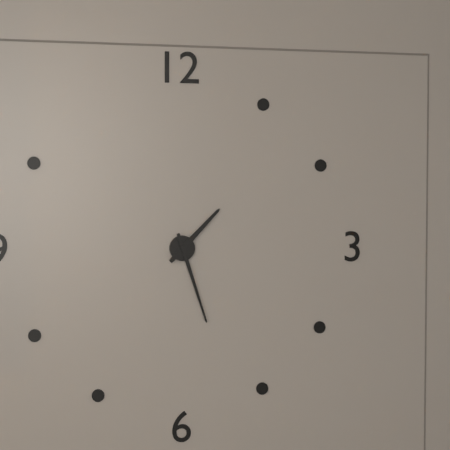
**1:27**
